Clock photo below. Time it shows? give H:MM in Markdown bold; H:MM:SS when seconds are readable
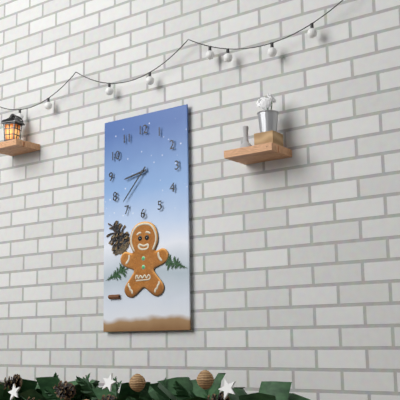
**8:37**
